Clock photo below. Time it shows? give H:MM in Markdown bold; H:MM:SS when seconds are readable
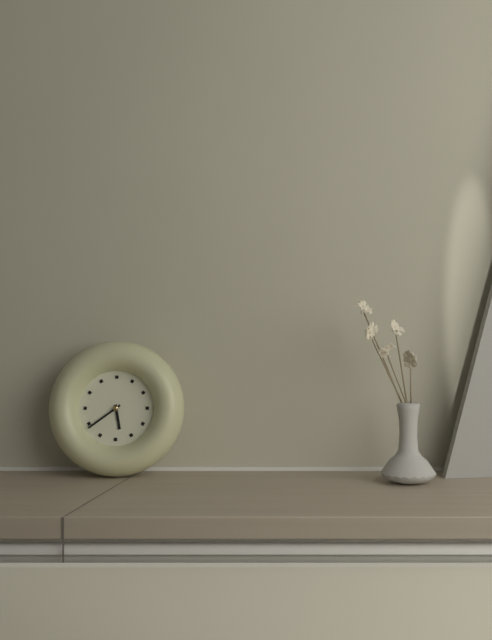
**5:39**
